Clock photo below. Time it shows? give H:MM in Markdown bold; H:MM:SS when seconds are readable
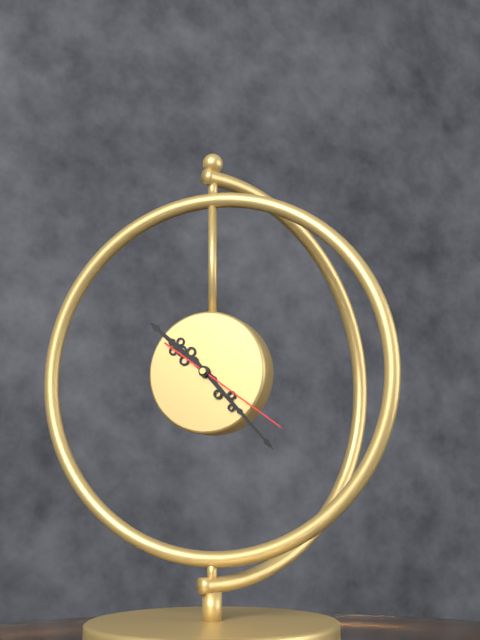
**10:23:21**
